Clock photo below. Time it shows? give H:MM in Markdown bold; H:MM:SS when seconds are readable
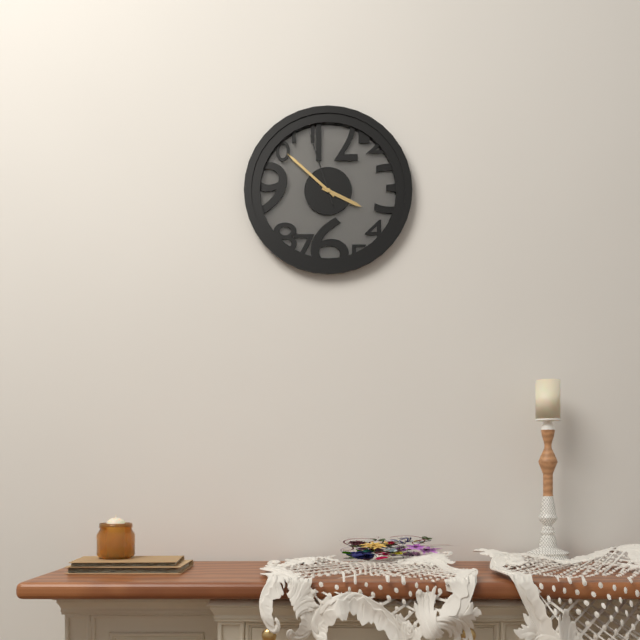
**3:52:57**
